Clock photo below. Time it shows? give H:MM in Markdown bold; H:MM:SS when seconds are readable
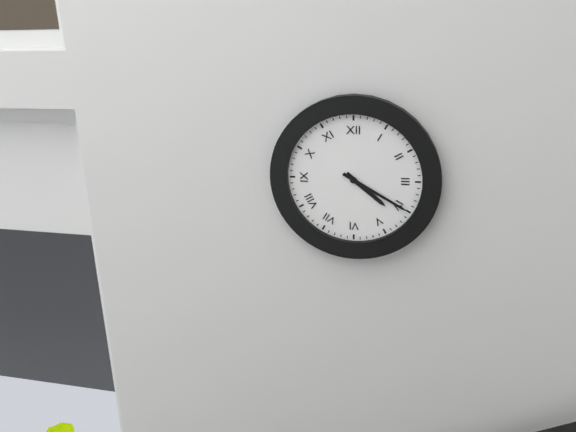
**4:20**
